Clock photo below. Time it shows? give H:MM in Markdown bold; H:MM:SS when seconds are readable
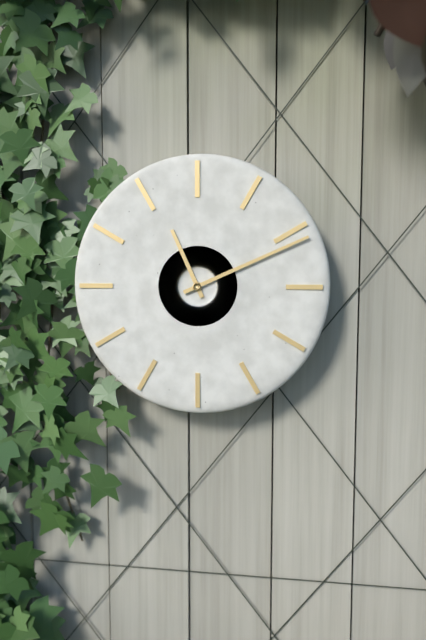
**11:11**
